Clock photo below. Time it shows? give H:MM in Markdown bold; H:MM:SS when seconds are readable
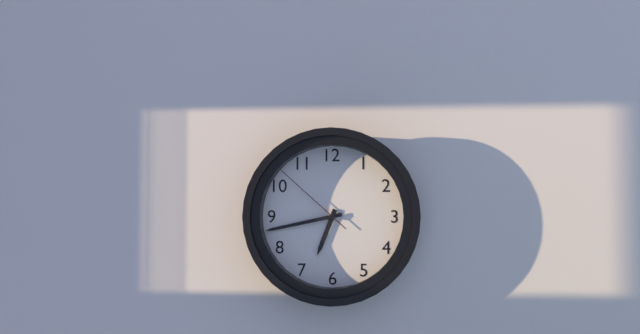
**6:43:52**
